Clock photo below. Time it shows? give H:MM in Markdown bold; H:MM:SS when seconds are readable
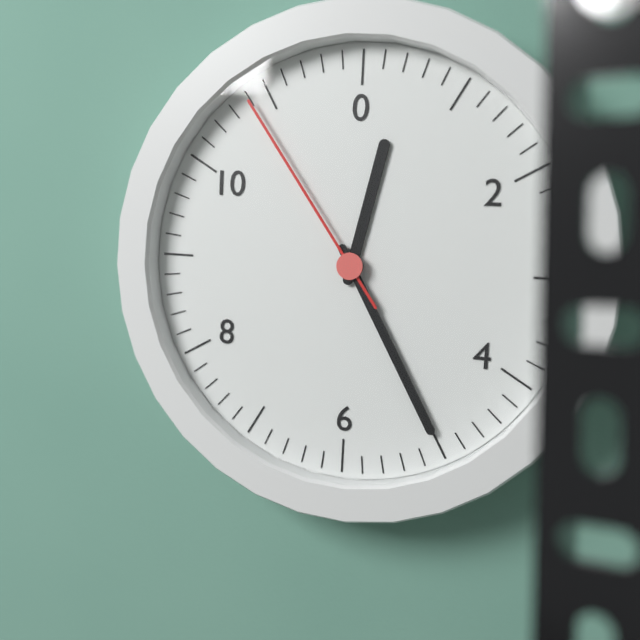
**12:25:54**
